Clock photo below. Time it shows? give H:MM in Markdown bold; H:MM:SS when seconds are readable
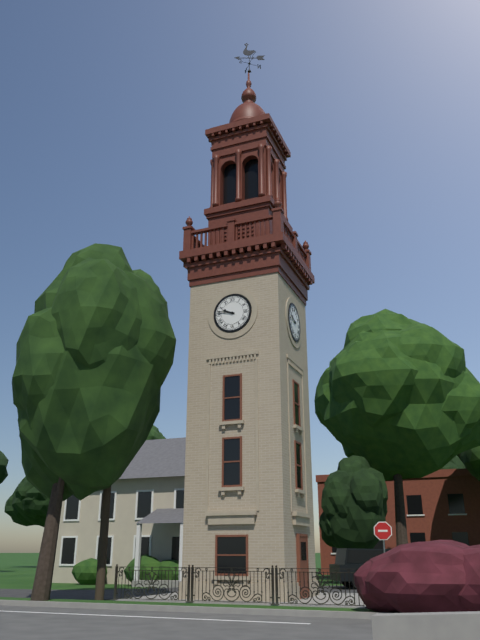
**9:47**
